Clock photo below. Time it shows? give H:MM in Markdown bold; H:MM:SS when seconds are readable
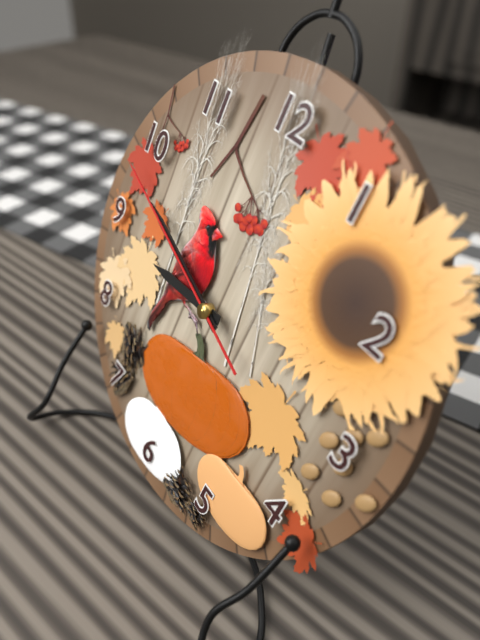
**8:48:48**
